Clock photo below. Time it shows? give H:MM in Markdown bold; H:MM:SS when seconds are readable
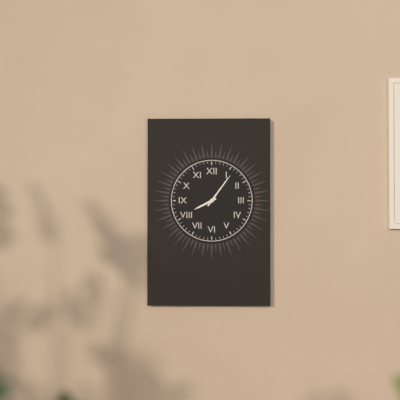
**8:06**
